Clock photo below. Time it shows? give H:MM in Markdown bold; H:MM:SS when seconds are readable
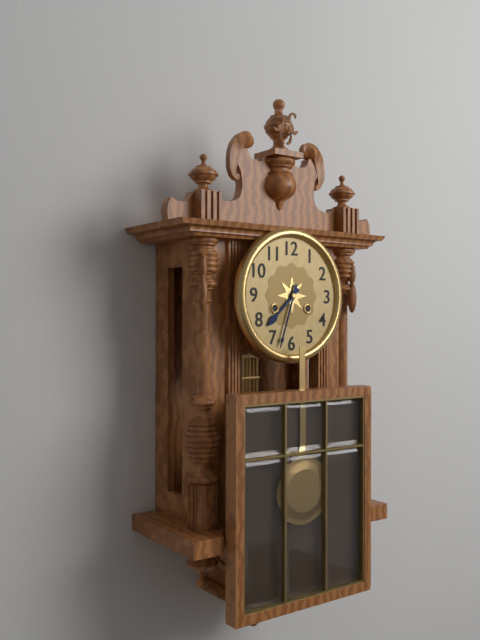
**7:33**
